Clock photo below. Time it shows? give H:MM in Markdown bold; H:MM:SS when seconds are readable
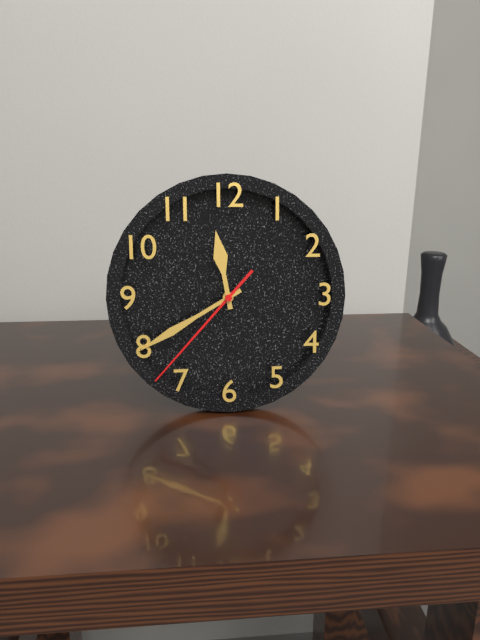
**11:40:37**
